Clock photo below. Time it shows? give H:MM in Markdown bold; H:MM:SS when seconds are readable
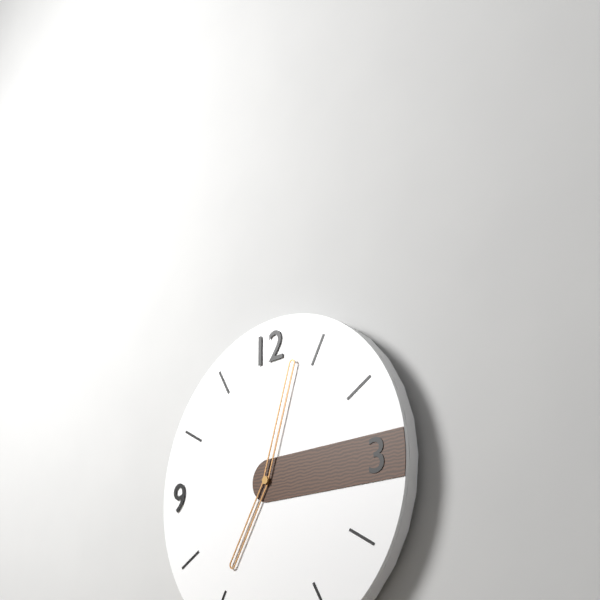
**7:03**
